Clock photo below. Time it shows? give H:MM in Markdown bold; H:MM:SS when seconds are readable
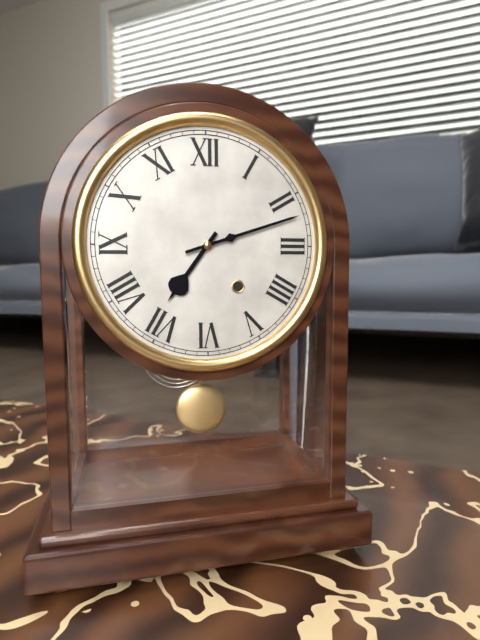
**7:12**
